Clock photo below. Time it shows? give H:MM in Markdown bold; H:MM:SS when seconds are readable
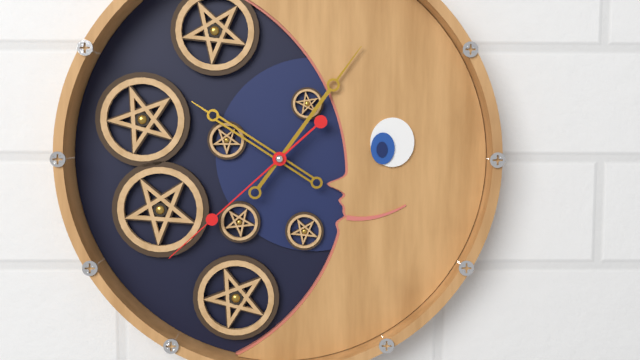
**10:06:38**
